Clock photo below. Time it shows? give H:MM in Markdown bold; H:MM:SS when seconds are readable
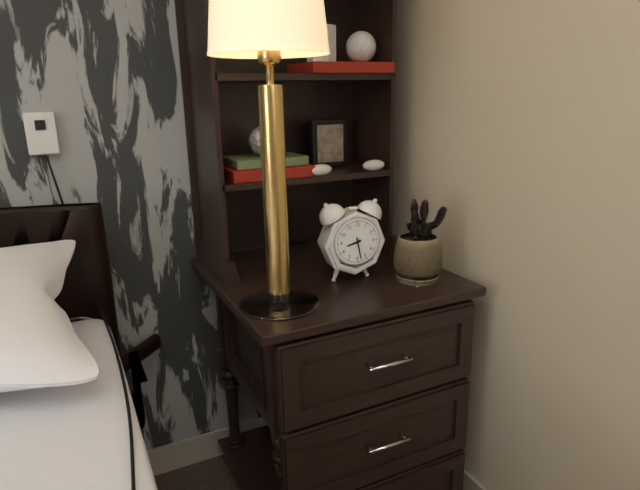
**8:28**
